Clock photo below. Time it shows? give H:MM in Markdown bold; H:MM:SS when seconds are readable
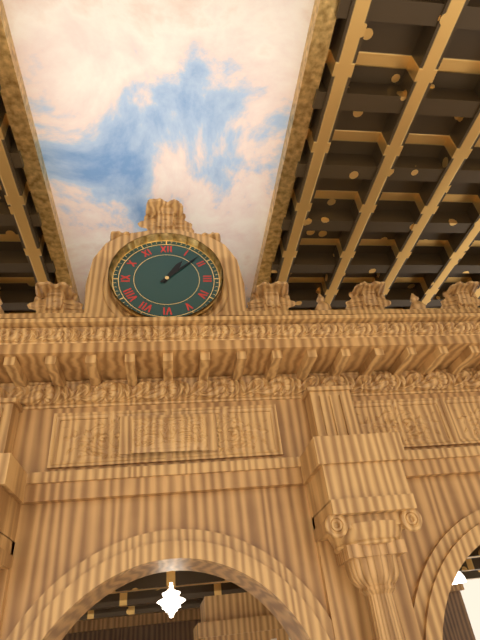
**1:08**
